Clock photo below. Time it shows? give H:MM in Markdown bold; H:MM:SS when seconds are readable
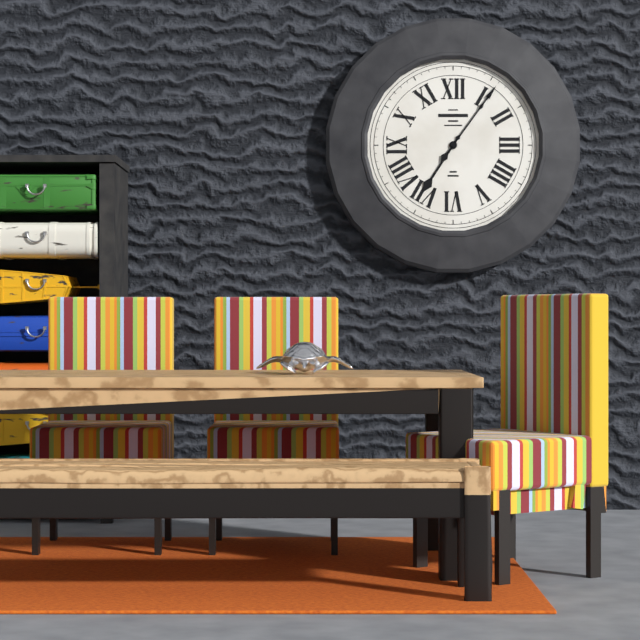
**7:06**
